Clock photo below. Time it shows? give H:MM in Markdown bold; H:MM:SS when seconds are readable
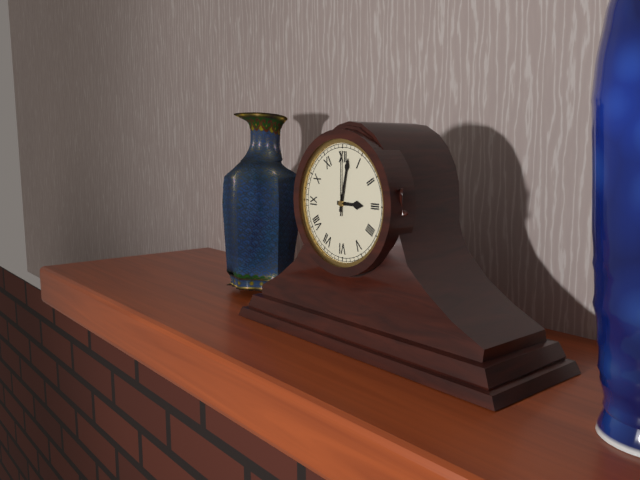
**3:02:00**
